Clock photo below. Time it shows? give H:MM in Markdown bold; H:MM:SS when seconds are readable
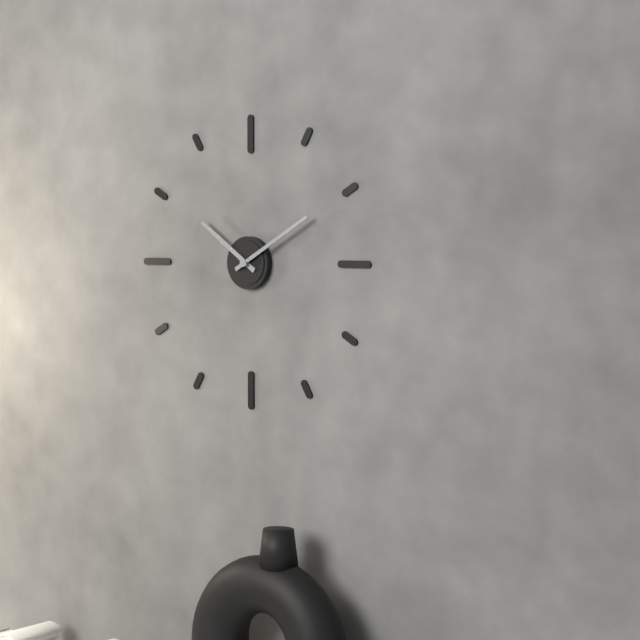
**10:10**
